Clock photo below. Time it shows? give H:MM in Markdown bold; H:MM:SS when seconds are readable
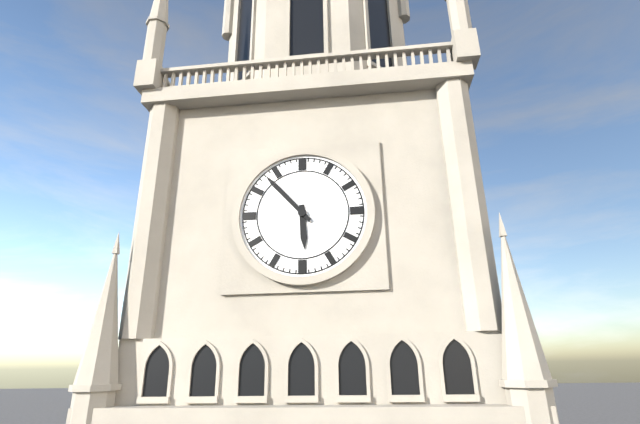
**5:53**
